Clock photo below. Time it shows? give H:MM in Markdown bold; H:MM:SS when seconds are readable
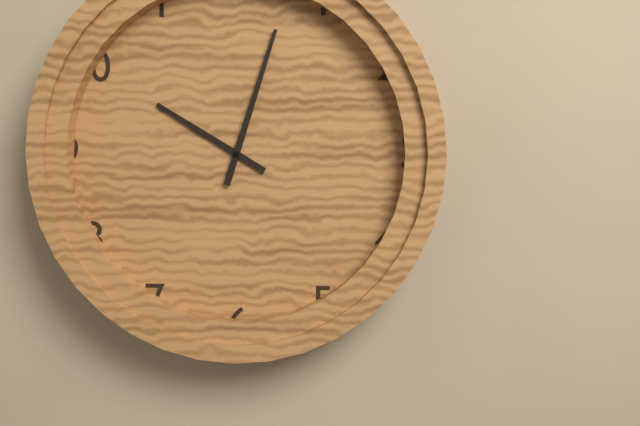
**10:03**
